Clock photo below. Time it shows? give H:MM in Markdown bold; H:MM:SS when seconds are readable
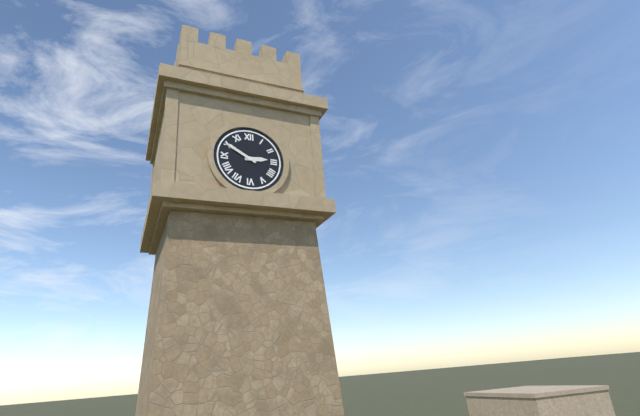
**2:50**
